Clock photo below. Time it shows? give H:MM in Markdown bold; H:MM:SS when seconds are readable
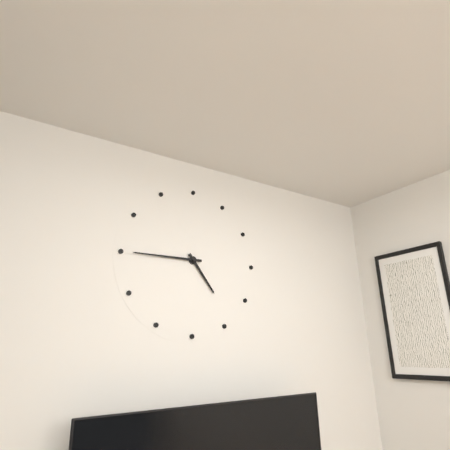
**4:45**
